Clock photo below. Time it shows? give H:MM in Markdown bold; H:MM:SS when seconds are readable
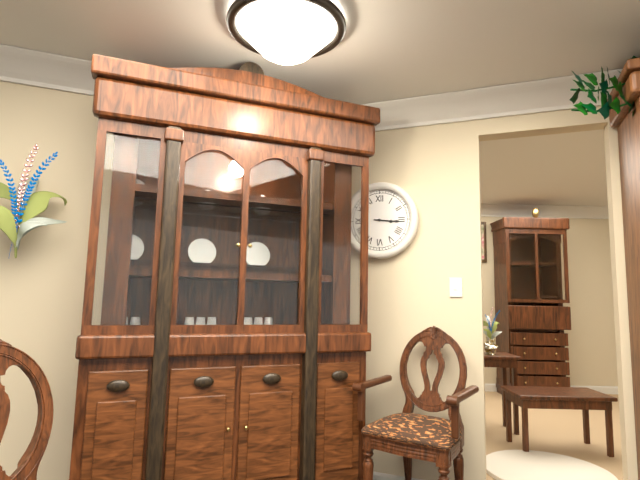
**3:16**
